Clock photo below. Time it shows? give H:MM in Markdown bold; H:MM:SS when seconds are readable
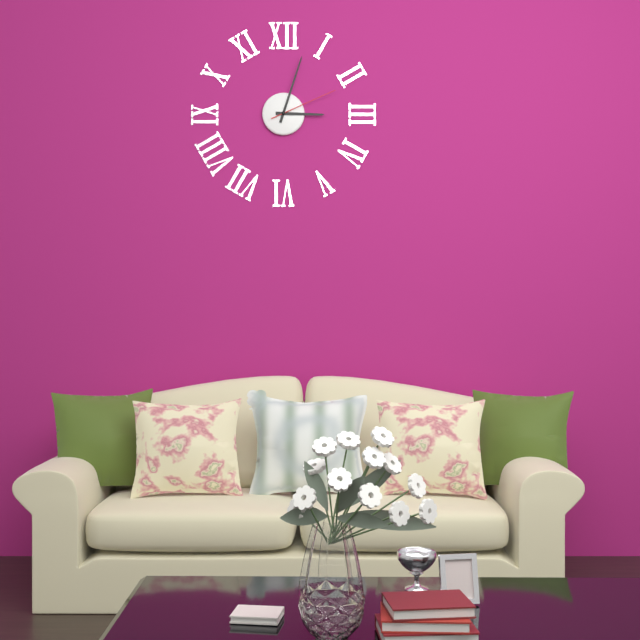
**3:03:11**
